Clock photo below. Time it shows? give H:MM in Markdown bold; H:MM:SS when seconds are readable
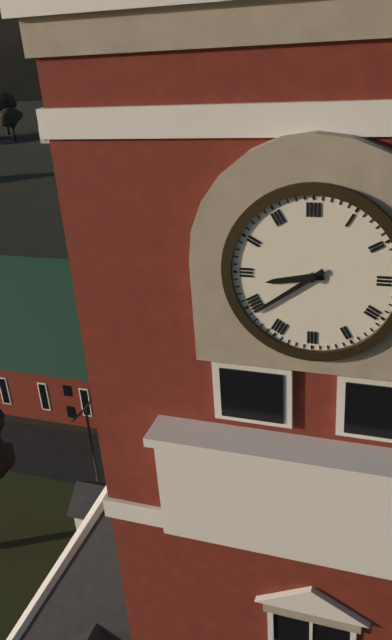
**8:39**
